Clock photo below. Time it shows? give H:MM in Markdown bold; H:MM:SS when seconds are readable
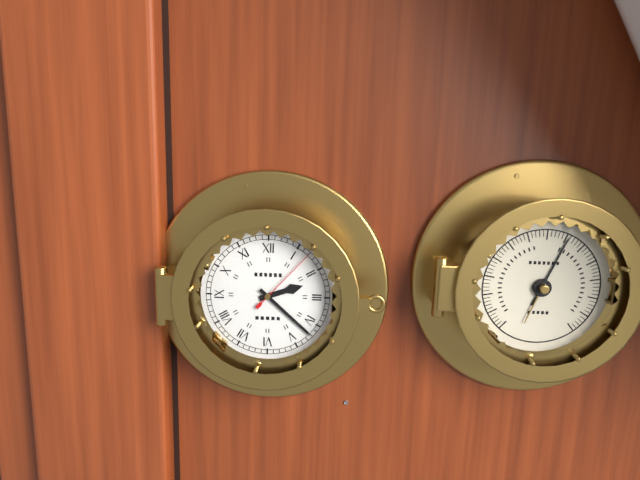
**2:22:07**
